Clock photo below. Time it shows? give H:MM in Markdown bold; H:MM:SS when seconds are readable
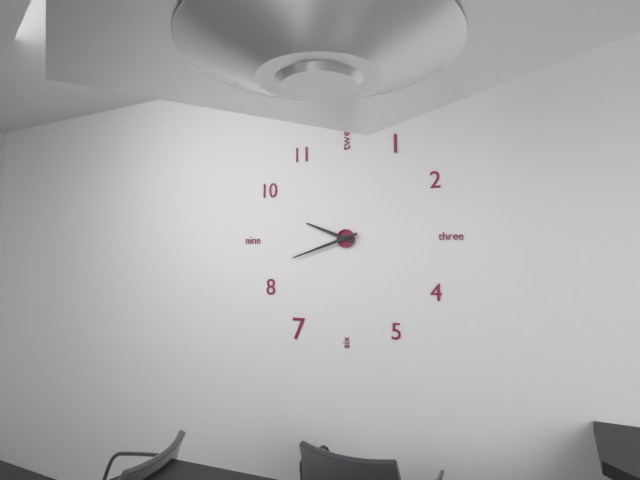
**9:42**
